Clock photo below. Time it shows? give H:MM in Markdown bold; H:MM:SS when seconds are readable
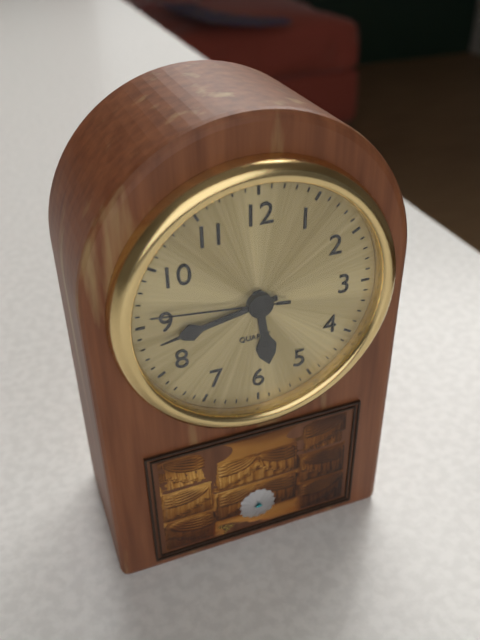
**5:43:46**
